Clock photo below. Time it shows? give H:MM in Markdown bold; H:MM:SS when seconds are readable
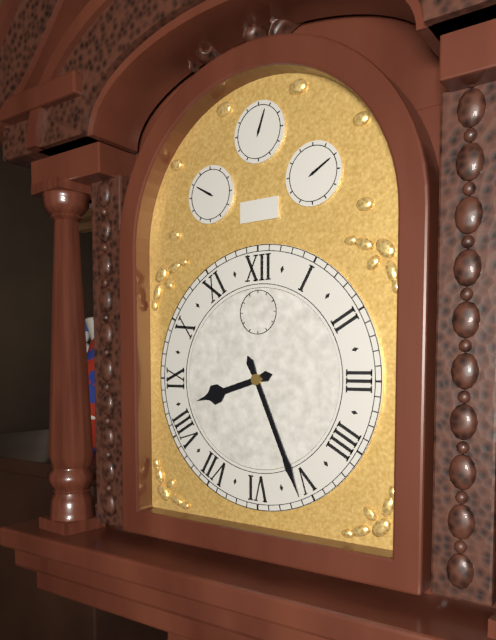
**8:26**
